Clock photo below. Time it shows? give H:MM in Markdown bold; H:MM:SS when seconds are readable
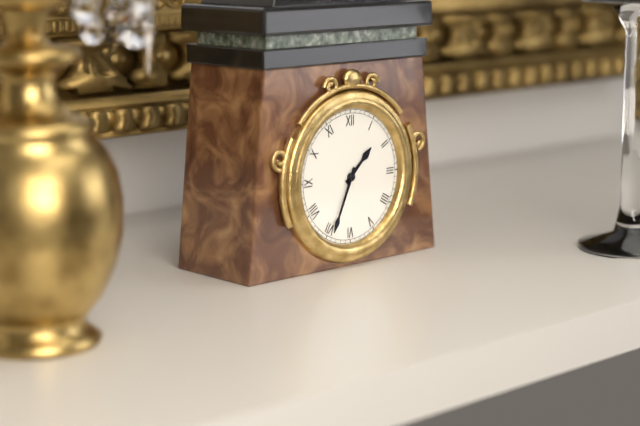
**1:34**
